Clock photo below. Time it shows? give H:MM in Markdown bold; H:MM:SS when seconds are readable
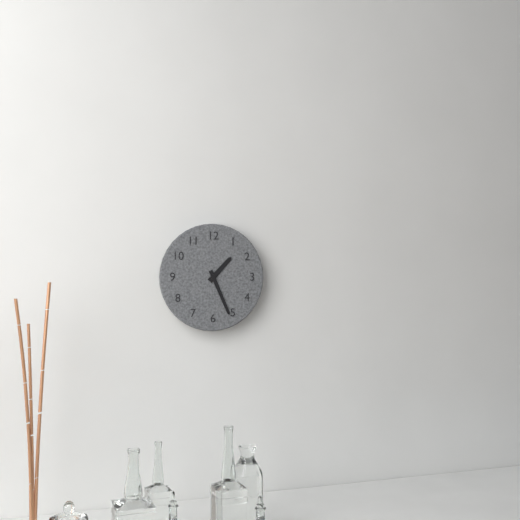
**1:26**
